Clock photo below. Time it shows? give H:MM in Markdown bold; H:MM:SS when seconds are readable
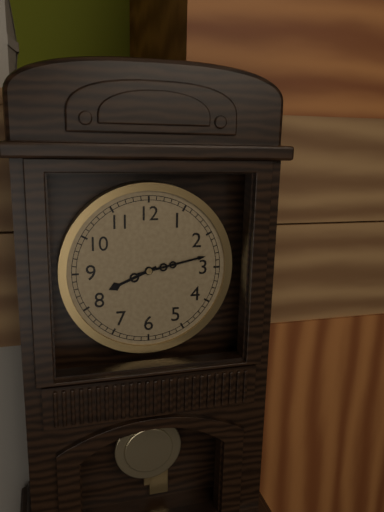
**8:13**
